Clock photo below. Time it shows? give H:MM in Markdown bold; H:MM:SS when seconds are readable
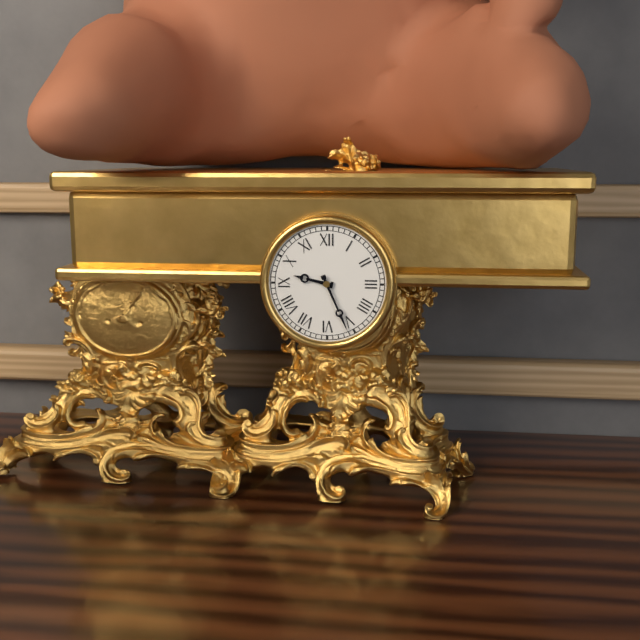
**9:26**
